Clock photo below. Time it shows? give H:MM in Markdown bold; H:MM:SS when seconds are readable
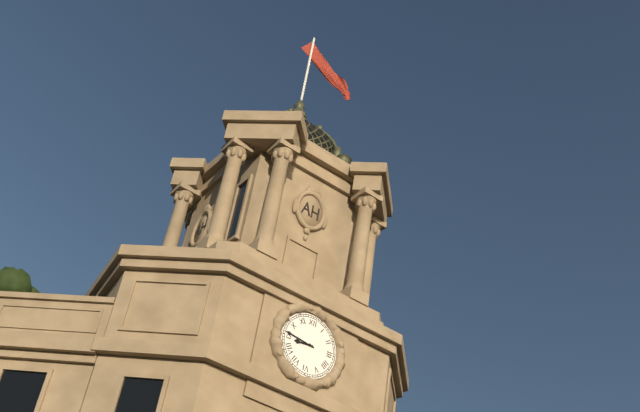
**8:46**
